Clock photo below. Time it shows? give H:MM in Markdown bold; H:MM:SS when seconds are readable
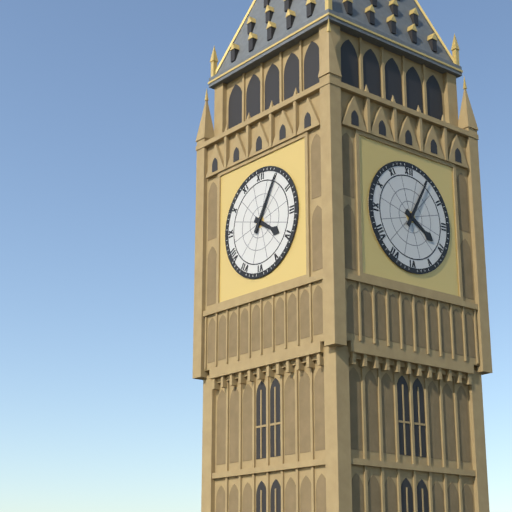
**4:05**
